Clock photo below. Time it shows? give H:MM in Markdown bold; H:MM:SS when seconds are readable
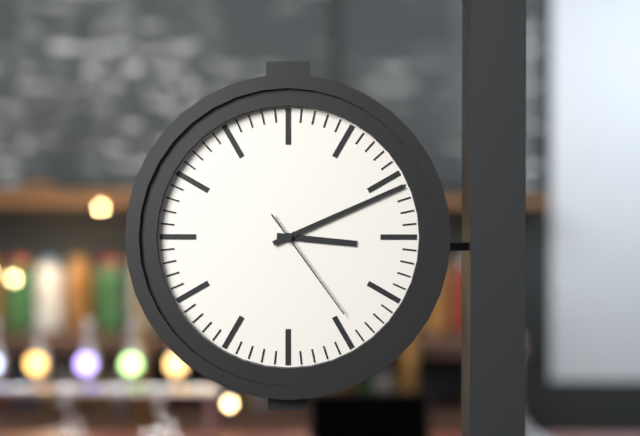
**3:11:24**
